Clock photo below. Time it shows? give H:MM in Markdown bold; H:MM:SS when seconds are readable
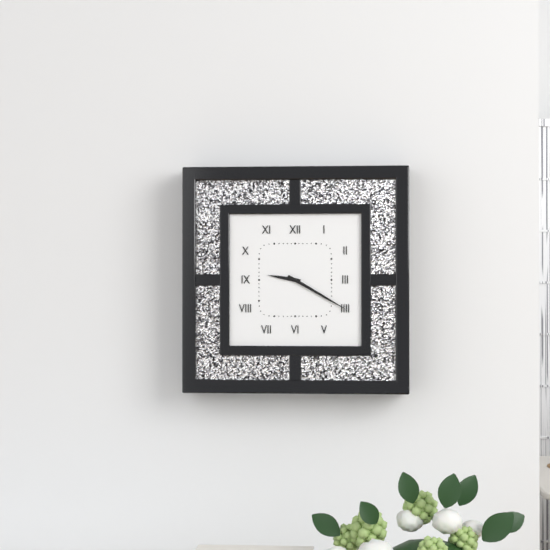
**9:20**
